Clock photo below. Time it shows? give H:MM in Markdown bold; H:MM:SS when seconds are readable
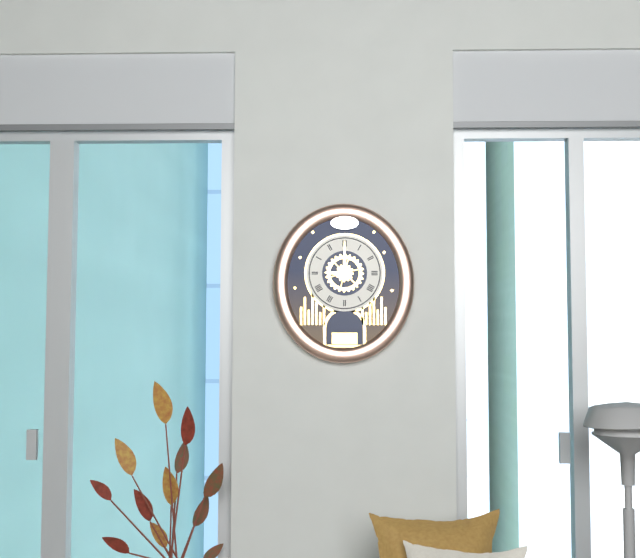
**9:00**
